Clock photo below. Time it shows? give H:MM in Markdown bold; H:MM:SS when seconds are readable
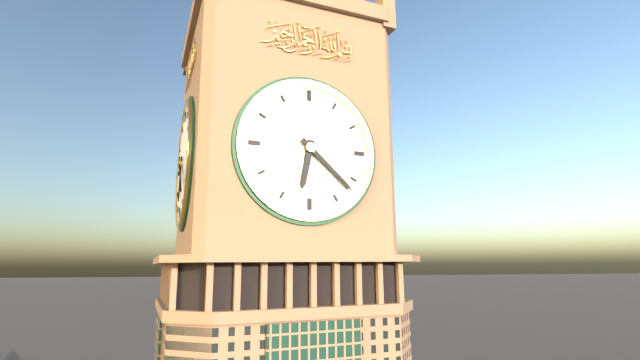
**6:22**
